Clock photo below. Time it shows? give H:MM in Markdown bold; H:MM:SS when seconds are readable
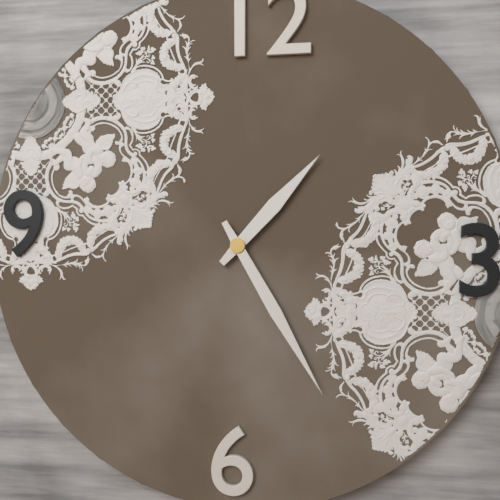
**1:25**
